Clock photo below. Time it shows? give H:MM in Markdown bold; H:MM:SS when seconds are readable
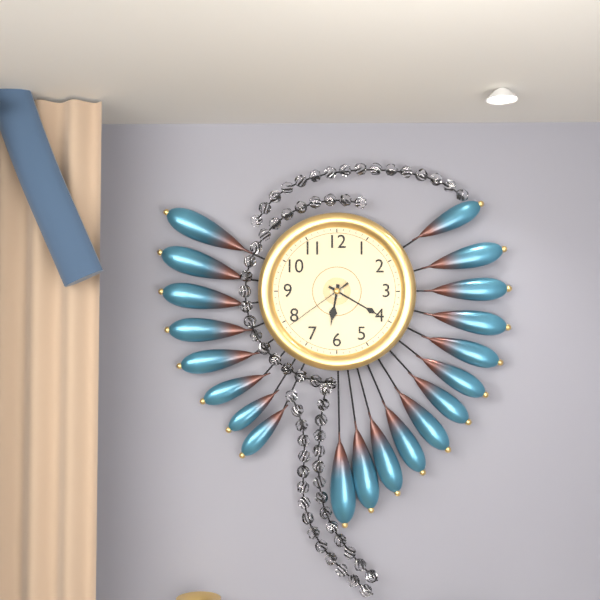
**6:20:39**
